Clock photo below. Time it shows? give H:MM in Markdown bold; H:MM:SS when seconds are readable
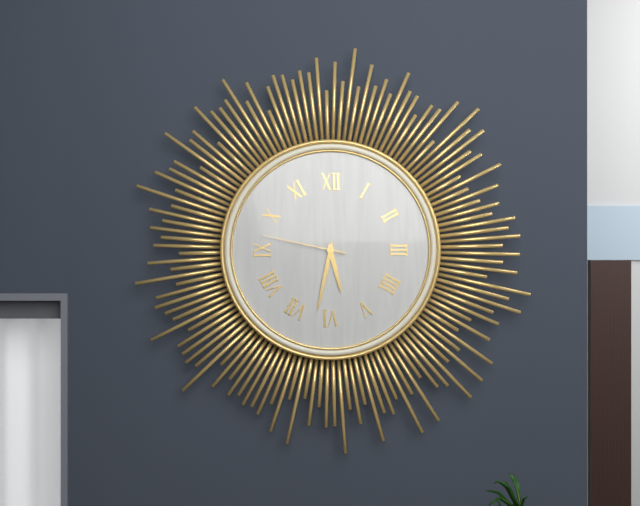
**5:32:47**
